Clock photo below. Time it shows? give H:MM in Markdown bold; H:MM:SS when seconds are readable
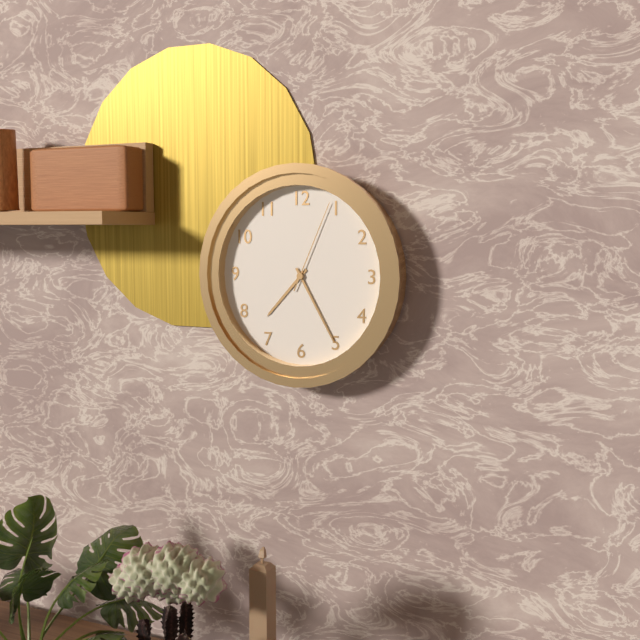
**7:25:04**
